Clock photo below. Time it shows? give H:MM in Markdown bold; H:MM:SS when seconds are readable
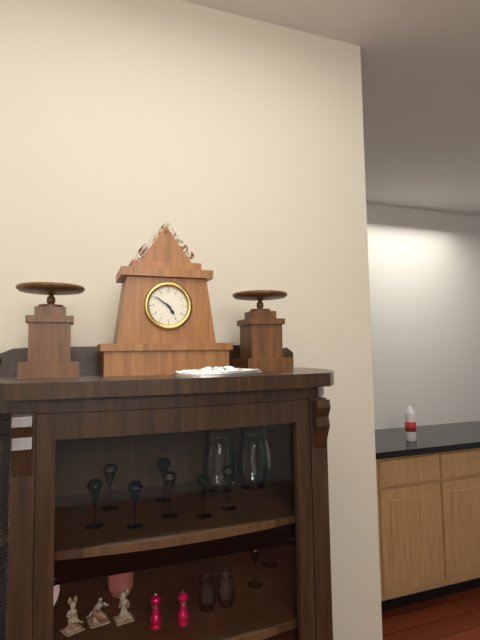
**4:51**
